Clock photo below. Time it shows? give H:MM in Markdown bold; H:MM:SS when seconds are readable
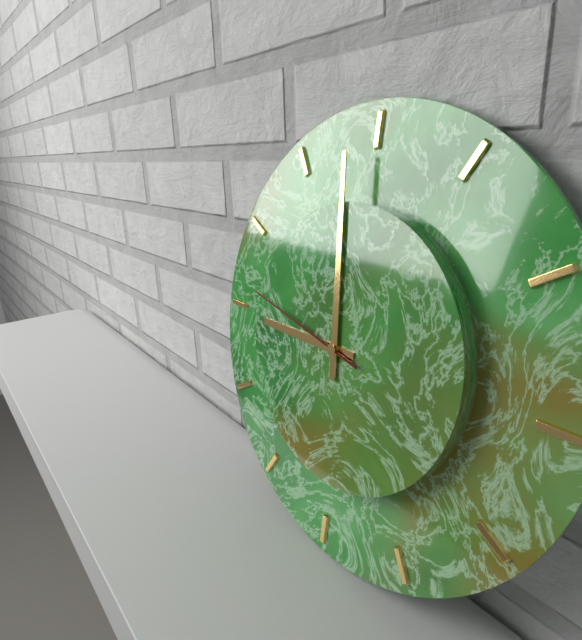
**8:59:47**
